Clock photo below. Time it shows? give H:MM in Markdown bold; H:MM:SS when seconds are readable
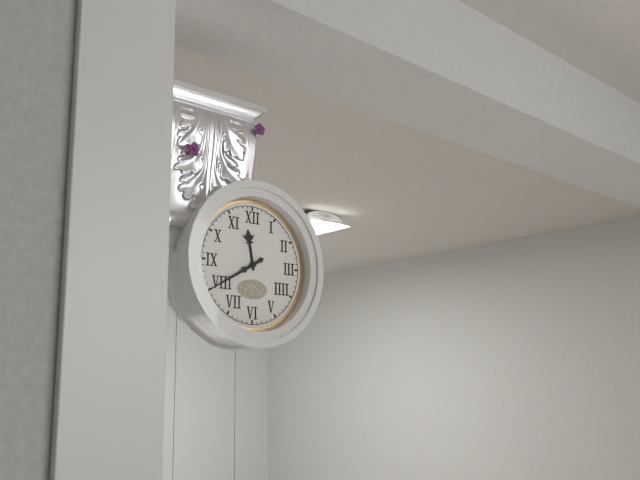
**11:40**
